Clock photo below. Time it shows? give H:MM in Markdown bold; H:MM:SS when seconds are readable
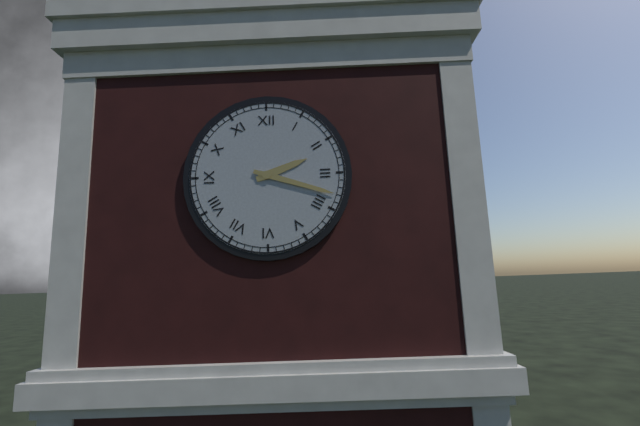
**2:18**
